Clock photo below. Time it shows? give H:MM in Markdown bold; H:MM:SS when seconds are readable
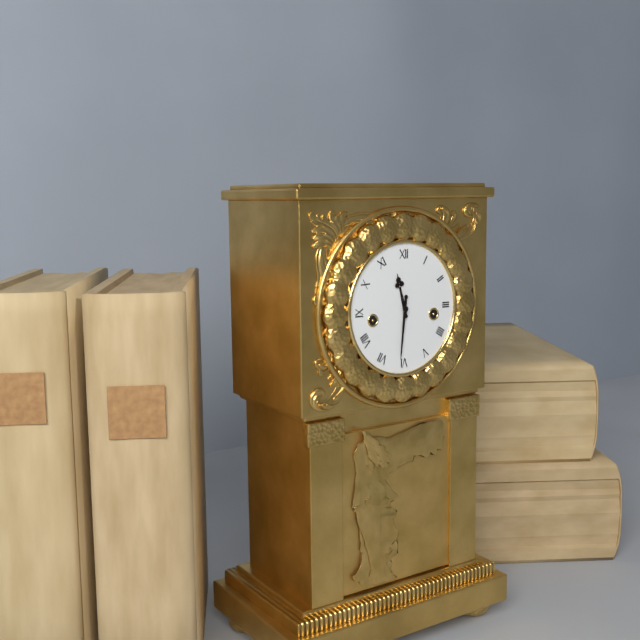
**11:31**
